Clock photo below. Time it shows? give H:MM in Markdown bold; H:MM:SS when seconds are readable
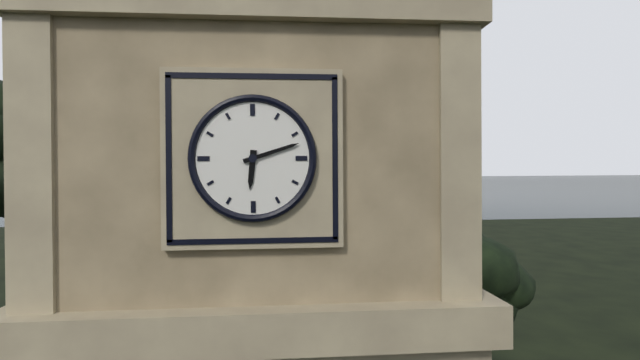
**6:12**
